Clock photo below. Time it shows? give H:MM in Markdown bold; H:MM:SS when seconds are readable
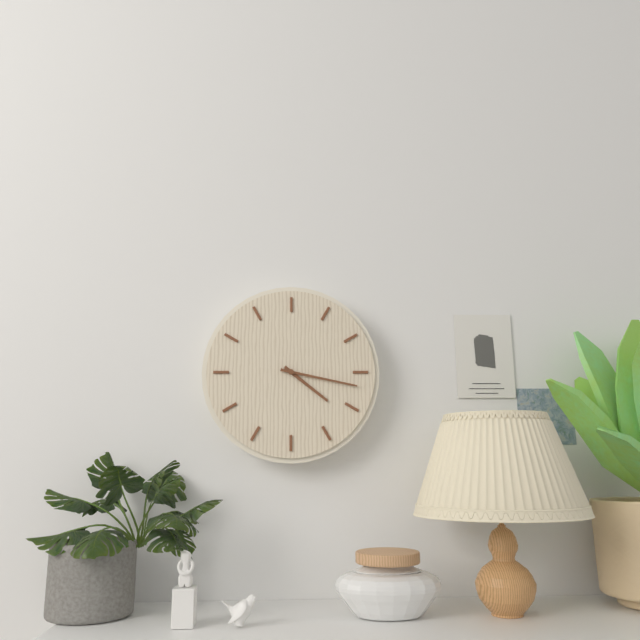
**4:17**
